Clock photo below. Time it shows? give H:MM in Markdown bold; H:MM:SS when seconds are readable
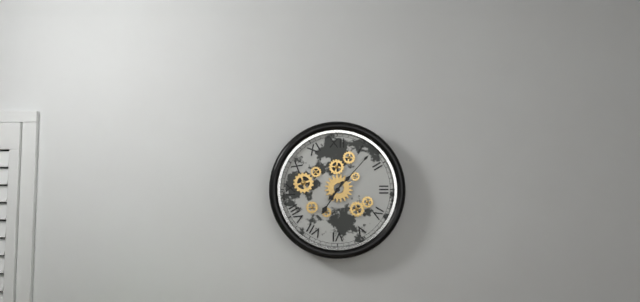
**7:07**
